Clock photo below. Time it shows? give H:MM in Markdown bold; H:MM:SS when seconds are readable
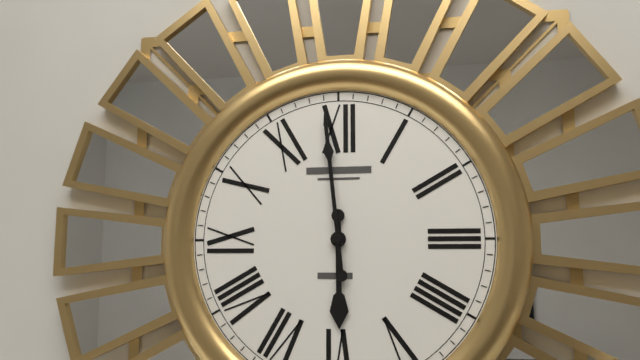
**5:59**
